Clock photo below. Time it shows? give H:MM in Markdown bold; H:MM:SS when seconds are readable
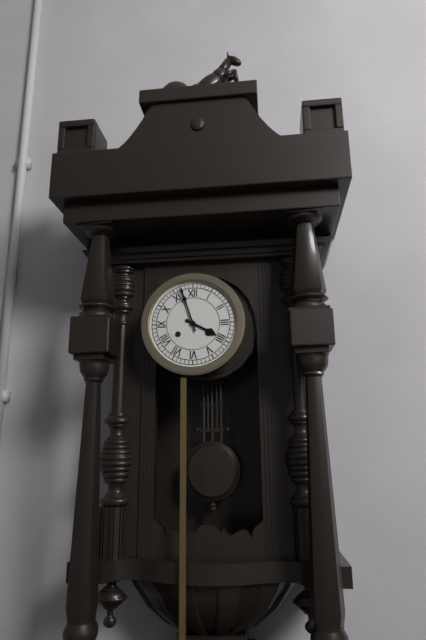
**3:57**
